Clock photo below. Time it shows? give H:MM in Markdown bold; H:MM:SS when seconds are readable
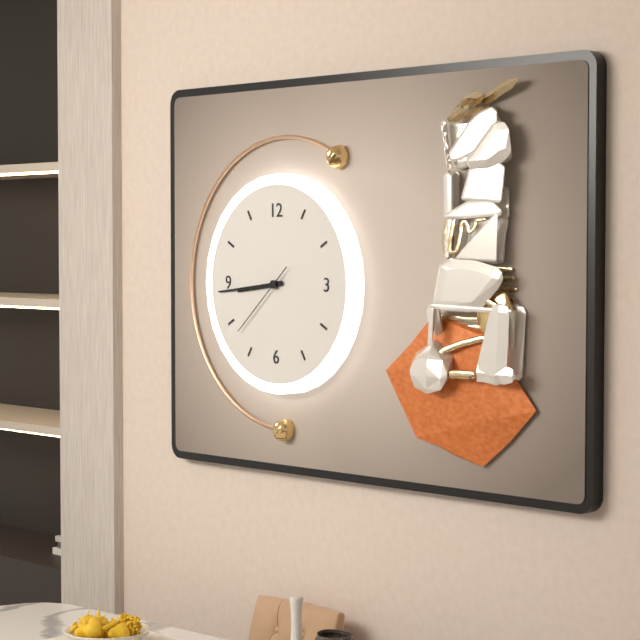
**8:44:38**
